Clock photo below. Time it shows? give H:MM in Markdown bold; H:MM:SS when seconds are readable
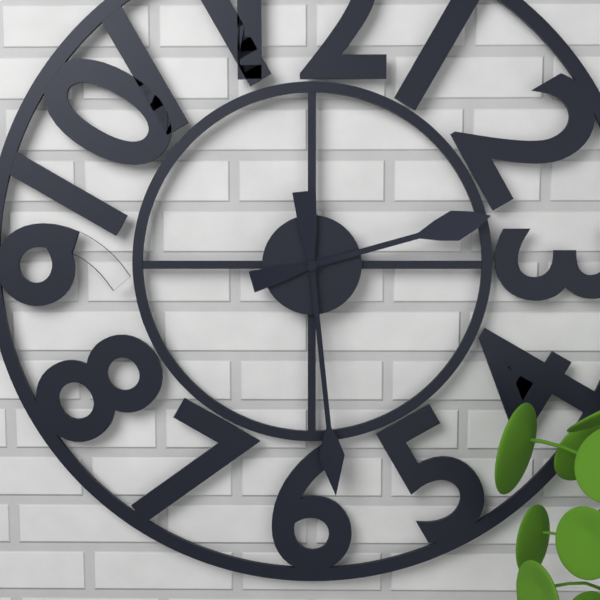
**2:29**
